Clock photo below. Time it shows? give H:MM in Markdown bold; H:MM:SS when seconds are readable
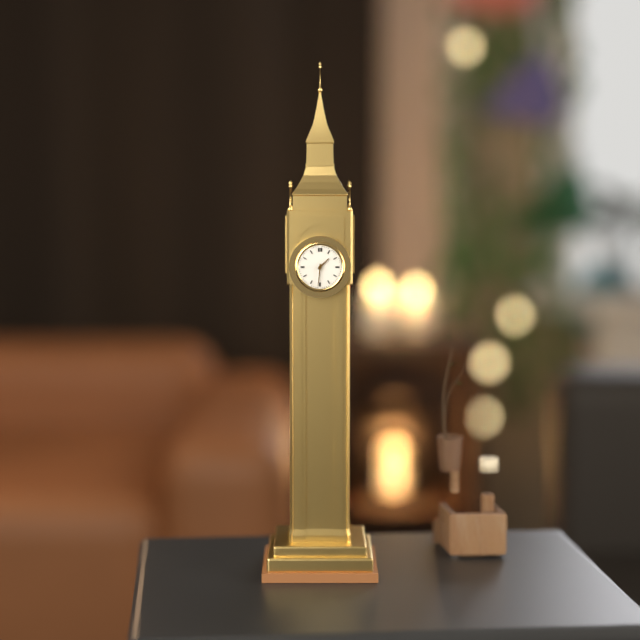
**1:31**
